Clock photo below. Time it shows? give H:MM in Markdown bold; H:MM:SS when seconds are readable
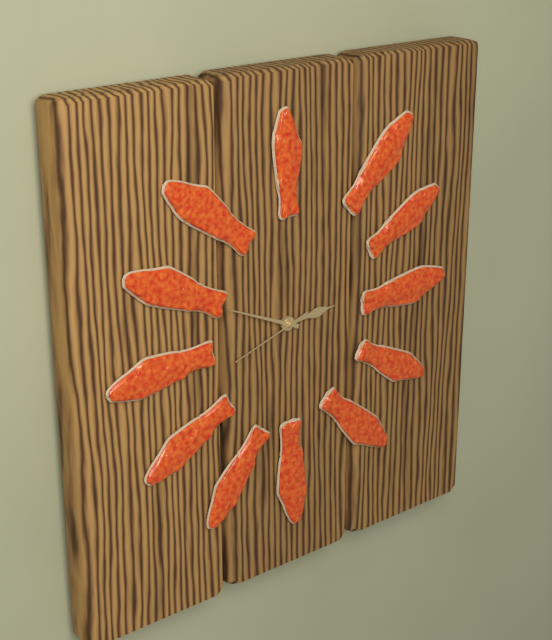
**2:49:42**
